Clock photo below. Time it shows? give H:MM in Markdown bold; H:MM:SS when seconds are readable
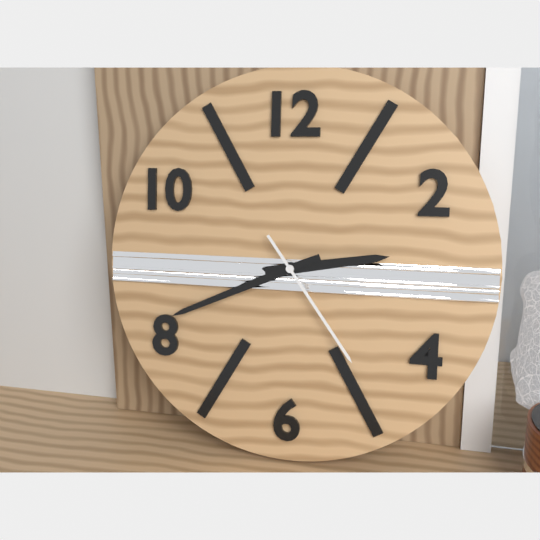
**2:41:24**
